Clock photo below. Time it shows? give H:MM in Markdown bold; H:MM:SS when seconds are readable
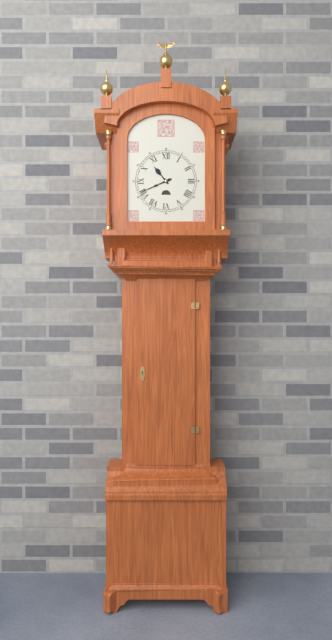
**10:41**
